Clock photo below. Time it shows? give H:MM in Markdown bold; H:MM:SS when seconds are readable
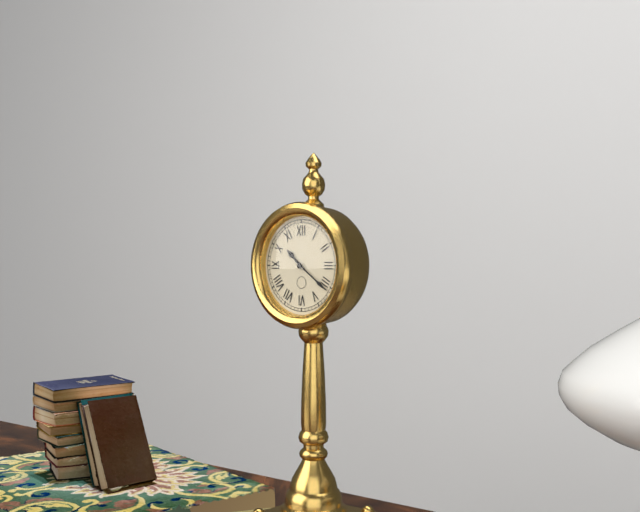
**10:21**
